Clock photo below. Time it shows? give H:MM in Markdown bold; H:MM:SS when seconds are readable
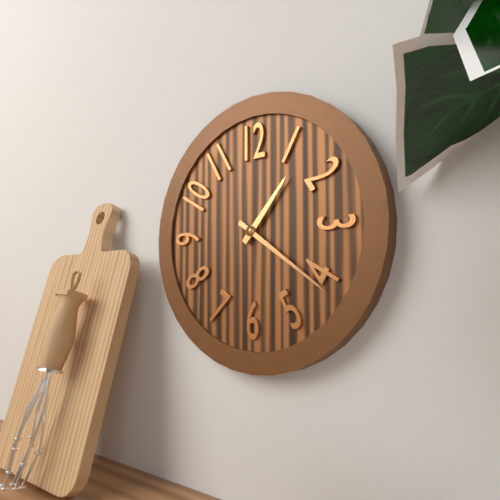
**1:21**
